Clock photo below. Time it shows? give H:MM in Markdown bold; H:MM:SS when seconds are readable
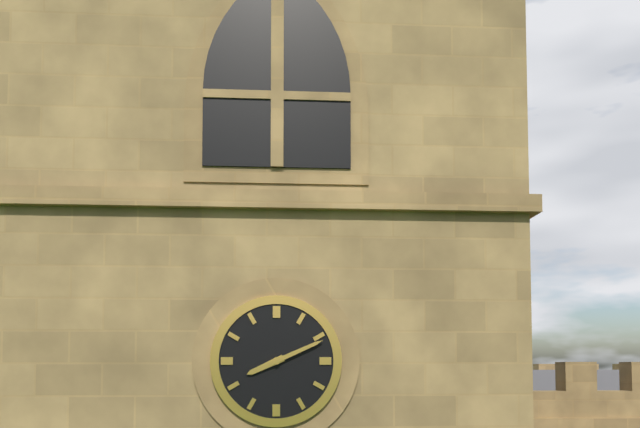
**8:11**
